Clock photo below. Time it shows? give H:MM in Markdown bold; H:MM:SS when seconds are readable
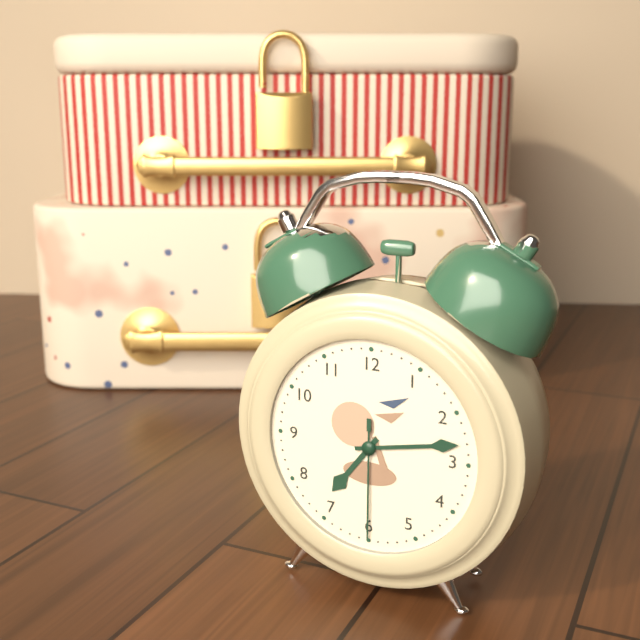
**7:13:30**
